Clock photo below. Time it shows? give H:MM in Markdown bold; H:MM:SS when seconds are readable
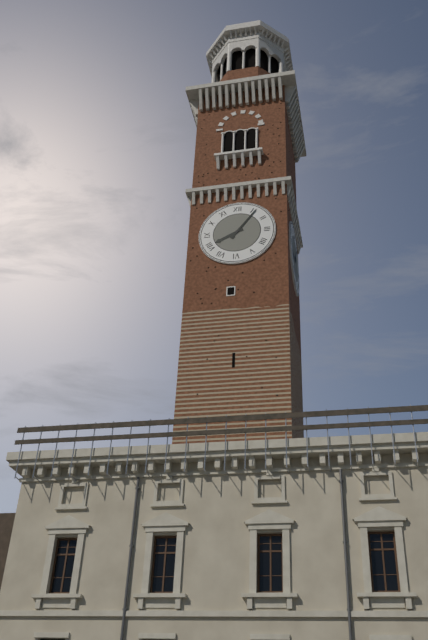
**8:06**
